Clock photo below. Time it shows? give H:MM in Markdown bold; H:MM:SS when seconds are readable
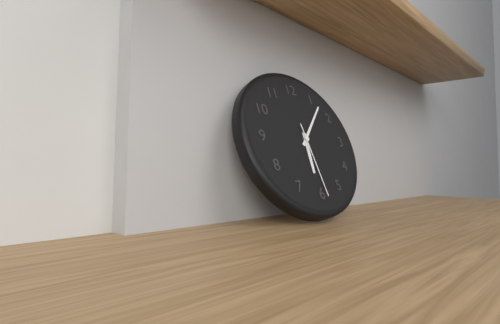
**6:07:29**
